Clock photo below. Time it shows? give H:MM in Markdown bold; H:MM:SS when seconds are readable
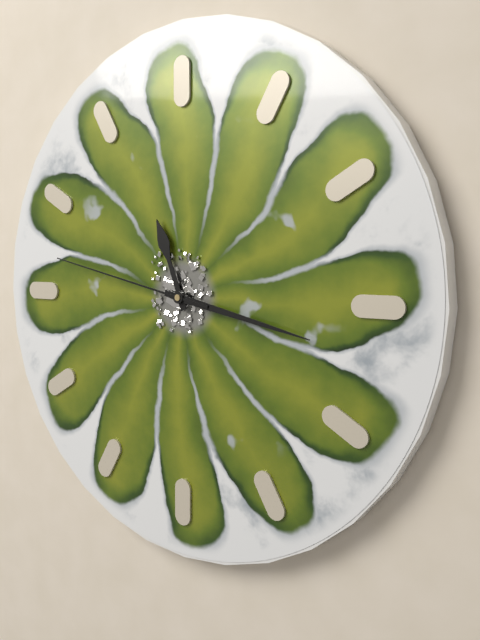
**11:17:47**
